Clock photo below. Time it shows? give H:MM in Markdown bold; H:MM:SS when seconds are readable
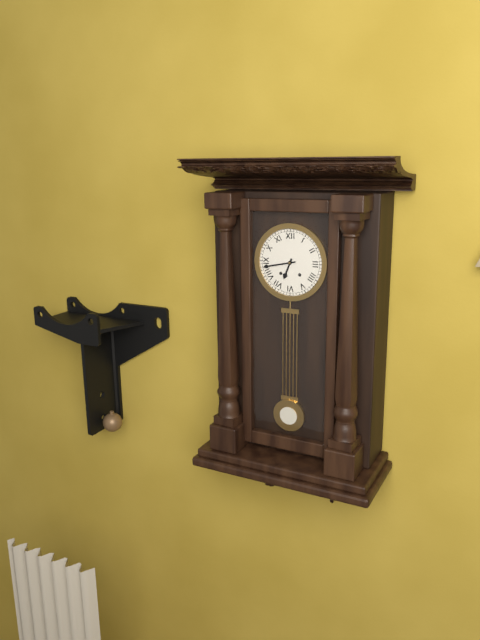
**6:43**
